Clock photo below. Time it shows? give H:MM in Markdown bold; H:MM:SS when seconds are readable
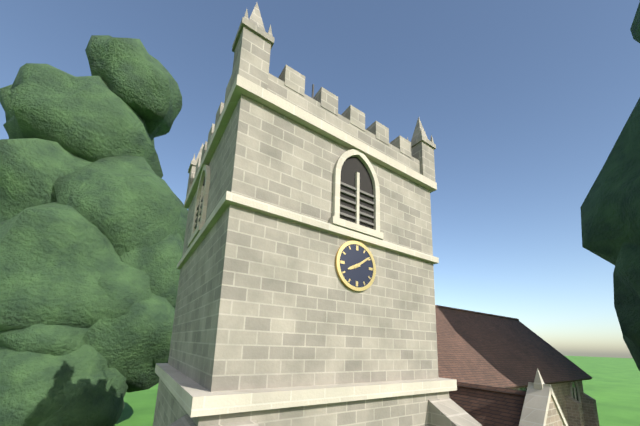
**8:09**
